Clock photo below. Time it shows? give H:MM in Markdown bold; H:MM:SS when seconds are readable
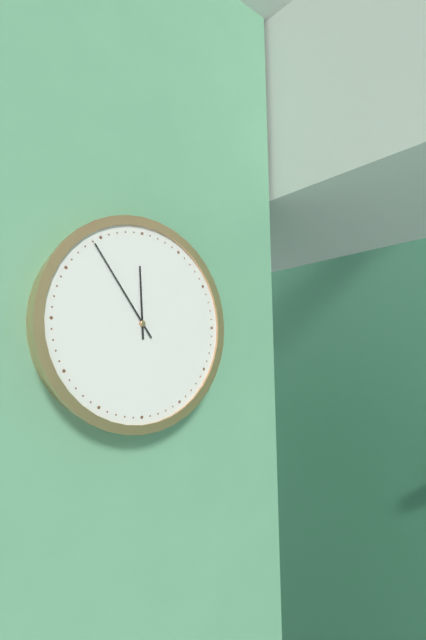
**11:54**
